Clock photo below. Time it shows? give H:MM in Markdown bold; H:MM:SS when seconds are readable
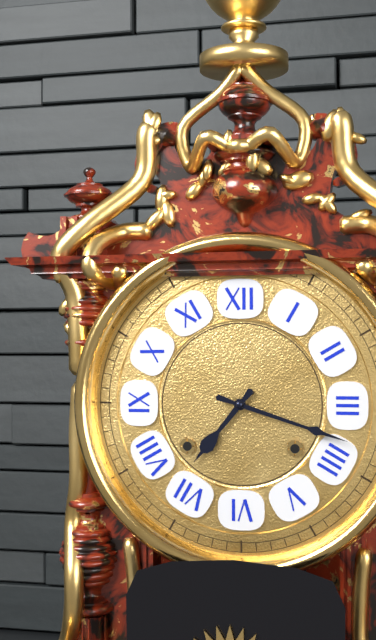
**7:18**
